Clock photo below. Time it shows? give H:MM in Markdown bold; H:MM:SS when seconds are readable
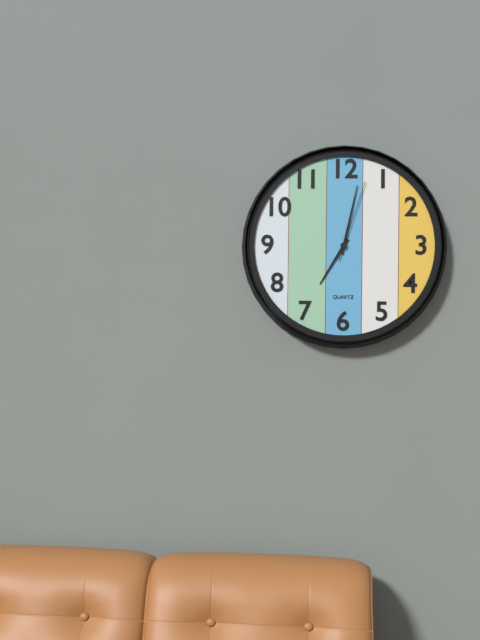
**7:02:03**
